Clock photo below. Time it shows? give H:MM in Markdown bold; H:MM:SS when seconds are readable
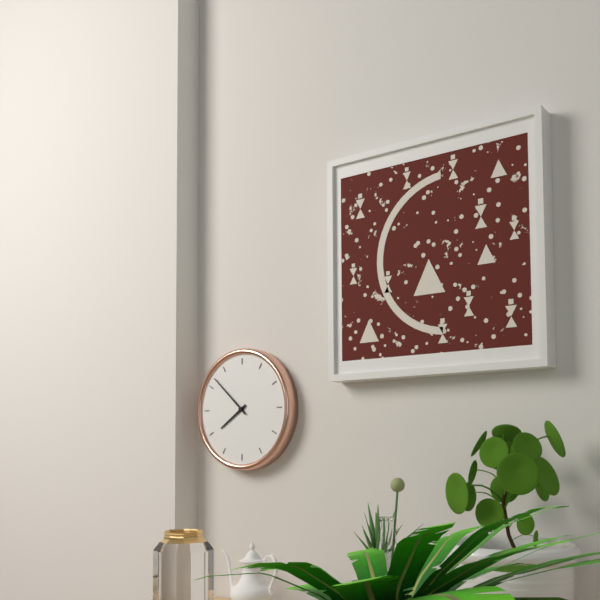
**7:52**
